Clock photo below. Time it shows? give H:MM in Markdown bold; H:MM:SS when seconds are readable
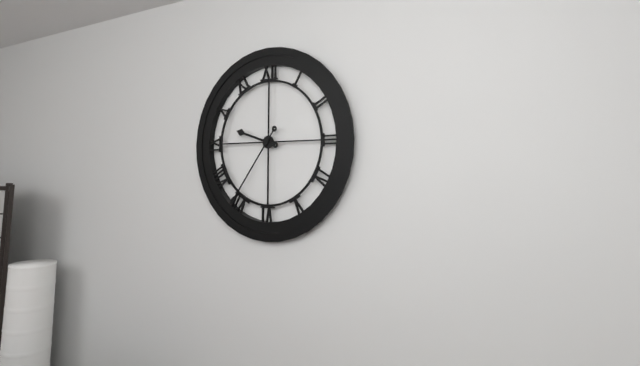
**9:36**
